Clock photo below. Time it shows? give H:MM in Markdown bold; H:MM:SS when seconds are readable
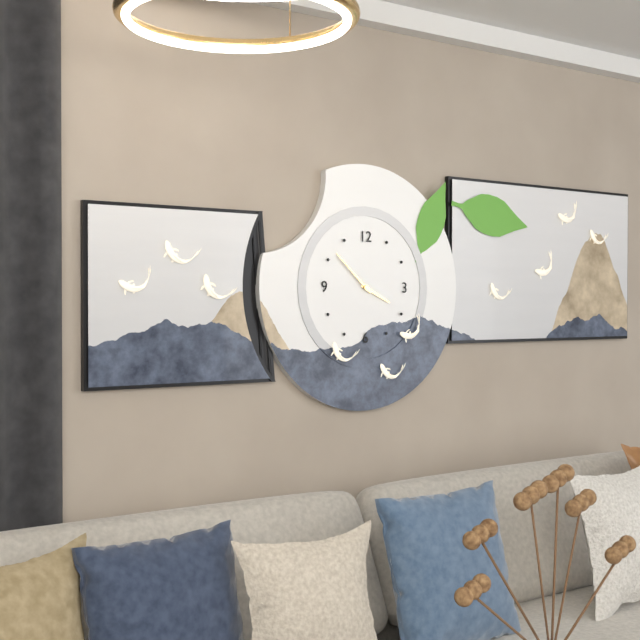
**3:52**
